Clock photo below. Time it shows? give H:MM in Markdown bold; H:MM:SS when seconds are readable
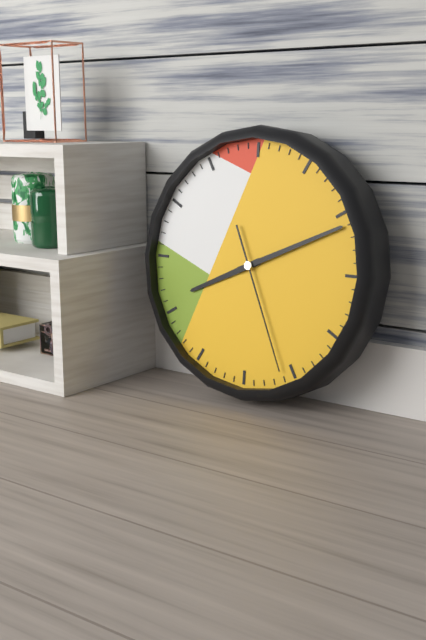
**8:11:26**
